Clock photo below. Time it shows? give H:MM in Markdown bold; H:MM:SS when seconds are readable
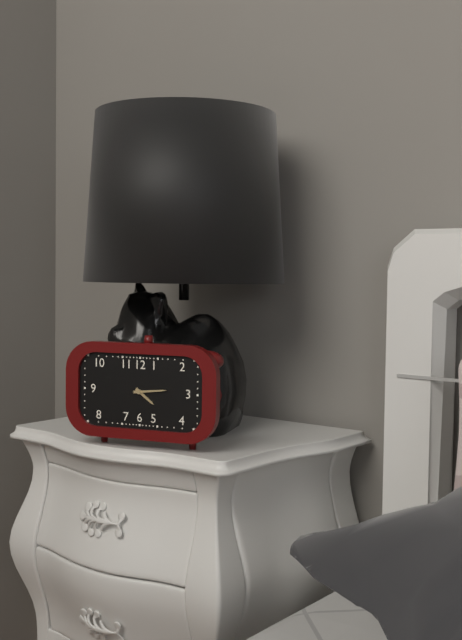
**4:14**
